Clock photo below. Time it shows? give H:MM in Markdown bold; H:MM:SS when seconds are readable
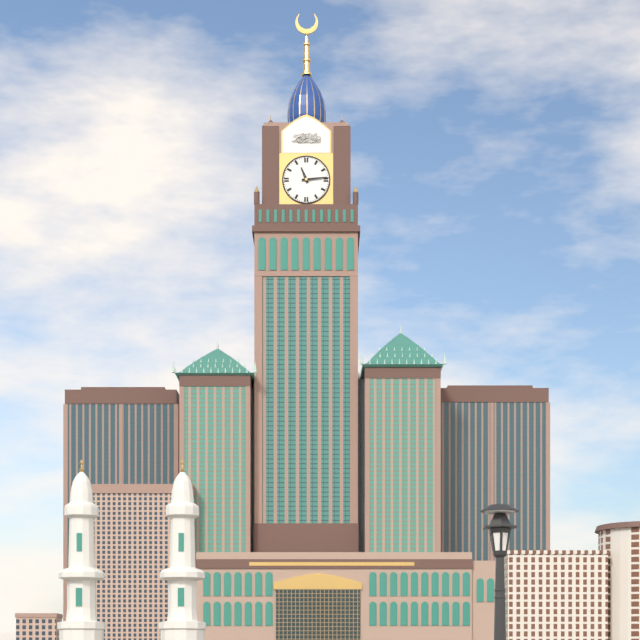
**11:14**
